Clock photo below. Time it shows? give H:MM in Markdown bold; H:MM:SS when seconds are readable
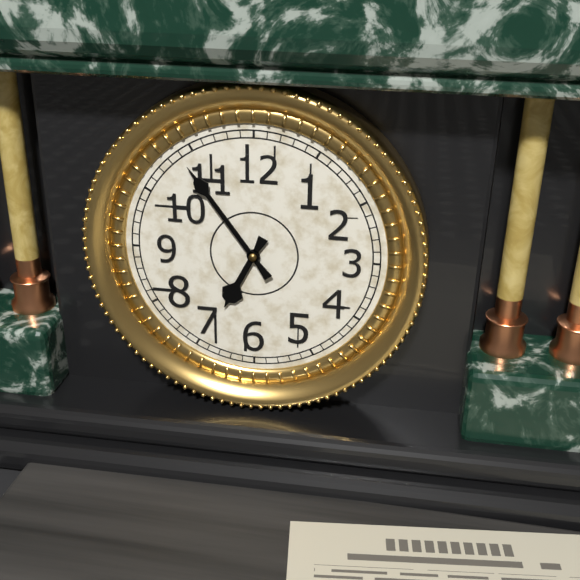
**6:54**
